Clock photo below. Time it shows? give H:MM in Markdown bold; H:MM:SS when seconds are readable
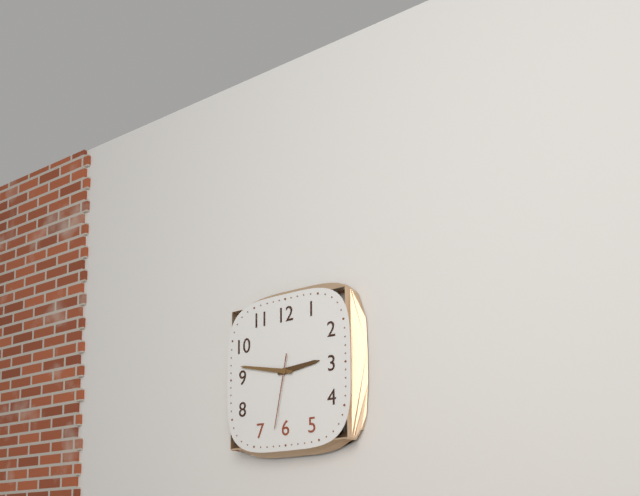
**2:47:32**
